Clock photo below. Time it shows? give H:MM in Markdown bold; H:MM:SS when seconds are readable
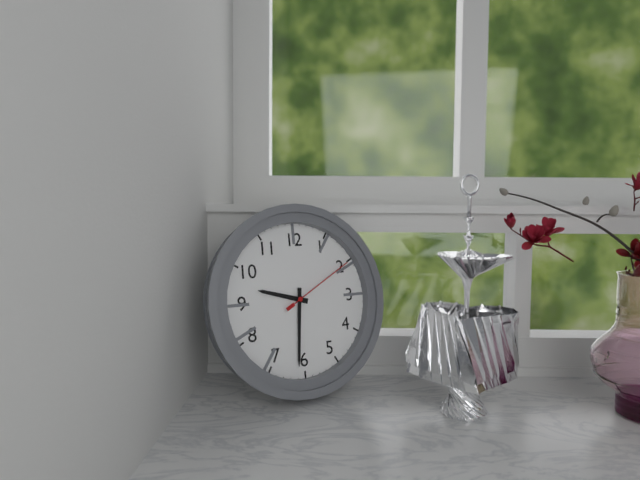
**9:31:10**
